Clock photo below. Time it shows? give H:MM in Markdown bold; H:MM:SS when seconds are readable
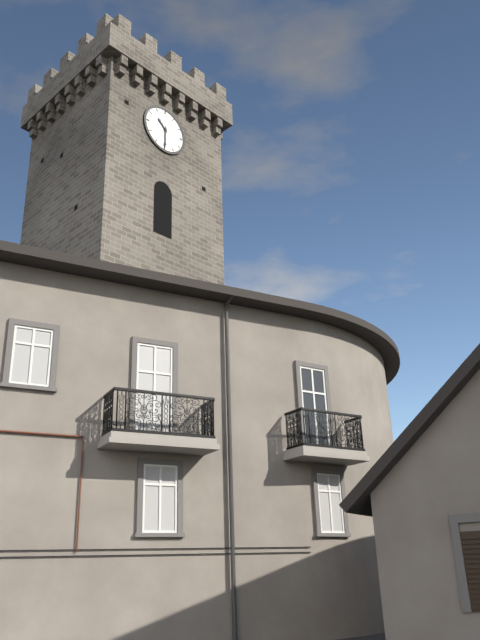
**10:30**
